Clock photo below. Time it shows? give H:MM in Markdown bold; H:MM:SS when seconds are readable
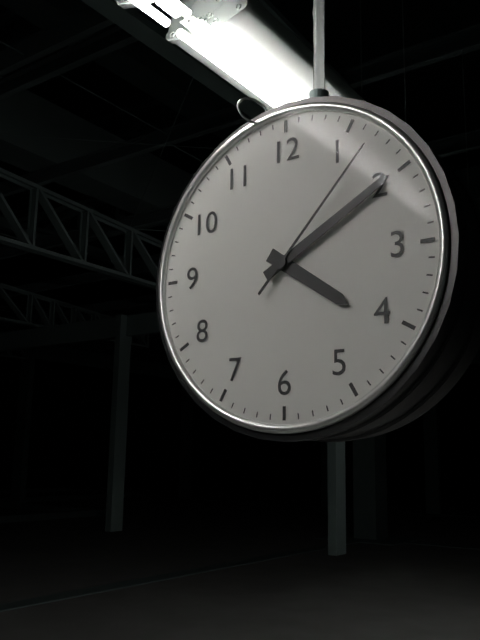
**4:10:07**
